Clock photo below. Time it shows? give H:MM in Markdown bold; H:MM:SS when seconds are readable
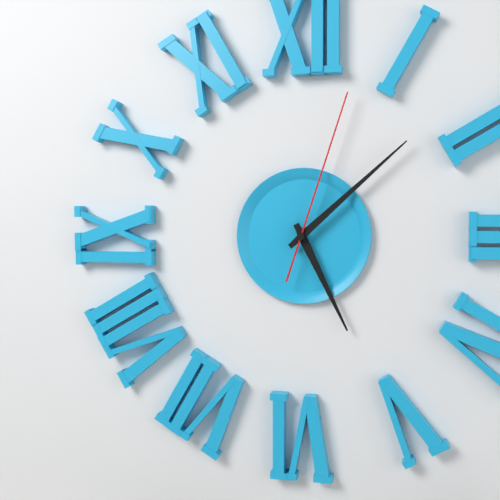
**5:08:03**
